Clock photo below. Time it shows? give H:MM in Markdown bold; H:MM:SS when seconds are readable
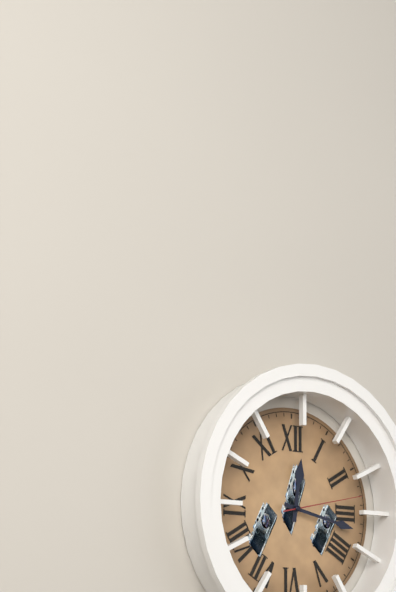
**12:17:13**
